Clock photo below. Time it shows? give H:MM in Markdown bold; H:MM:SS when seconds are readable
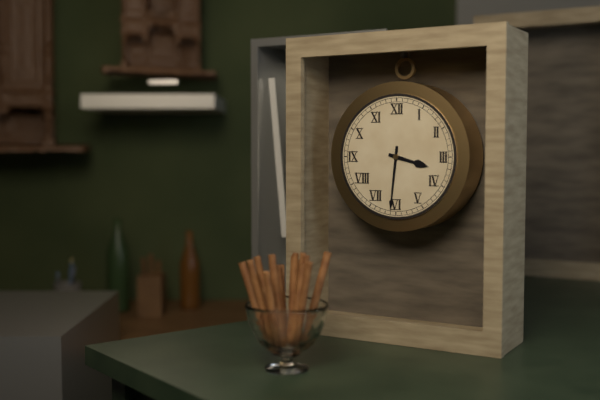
**3:31**
